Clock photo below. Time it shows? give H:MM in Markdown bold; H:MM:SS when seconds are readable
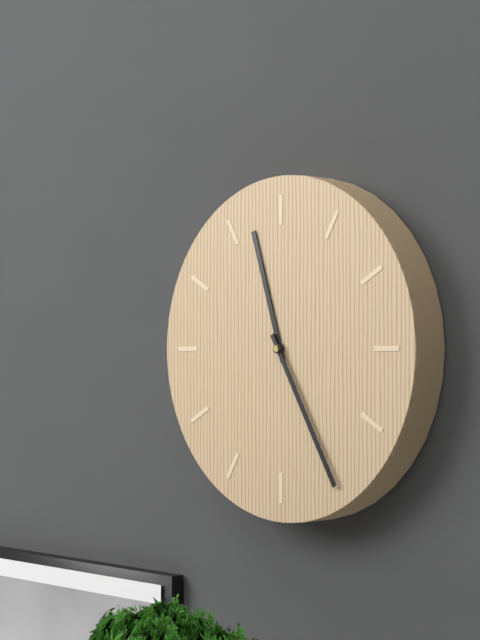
**11:25**
